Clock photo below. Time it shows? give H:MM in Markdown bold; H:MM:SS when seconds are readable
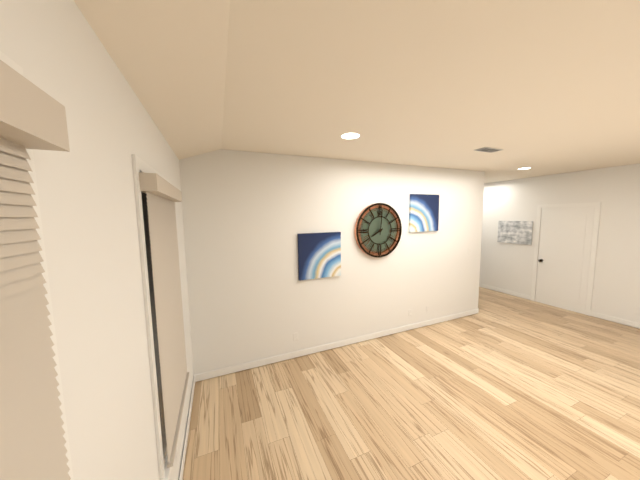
**8:01**
